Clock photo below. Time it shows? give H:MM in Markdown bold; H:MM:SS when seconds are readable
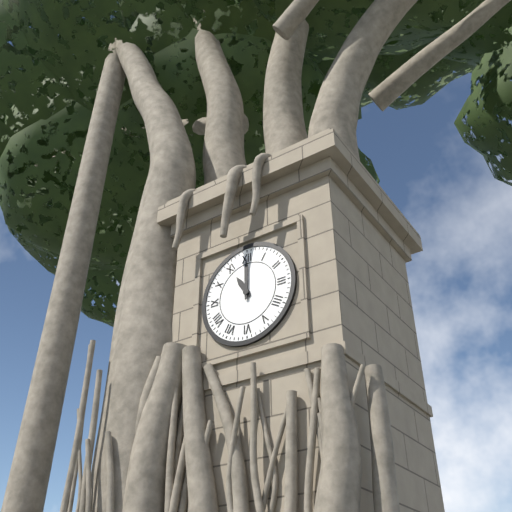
**11:00**
